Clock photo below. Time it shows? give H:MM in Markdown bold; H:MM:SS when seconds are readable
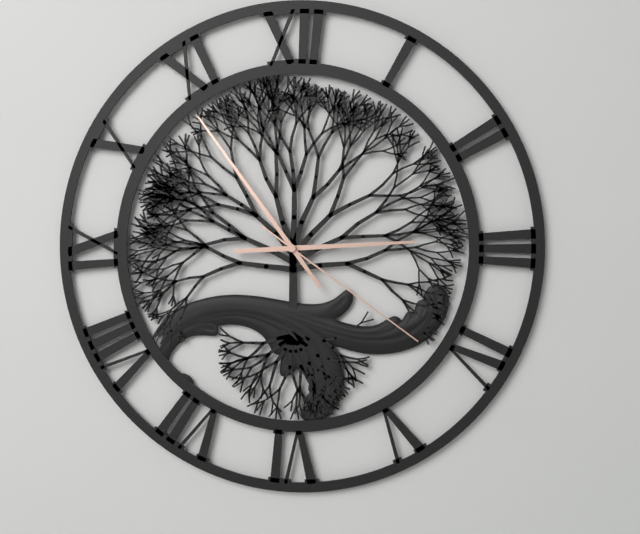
**2:54:21**
